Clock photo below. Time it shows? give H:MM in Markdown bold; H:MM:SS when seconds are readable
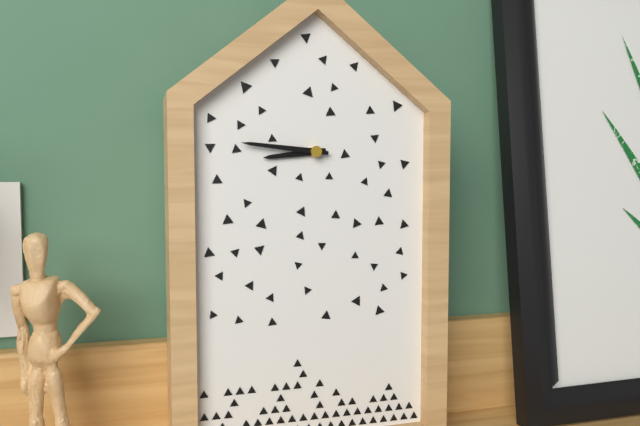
**8:46**
